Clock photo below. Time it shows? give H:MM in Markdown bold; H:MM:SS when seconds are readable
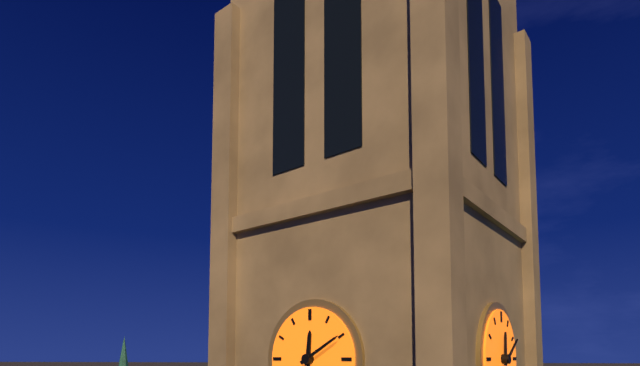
**12:10**
